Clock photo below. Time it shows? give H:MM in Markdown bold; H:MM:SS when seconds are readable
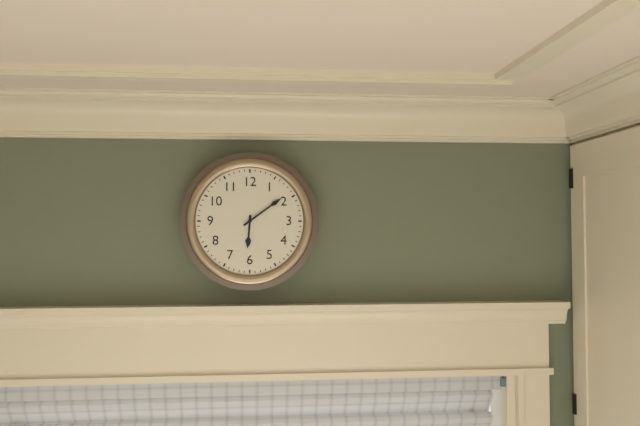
**6:09**
